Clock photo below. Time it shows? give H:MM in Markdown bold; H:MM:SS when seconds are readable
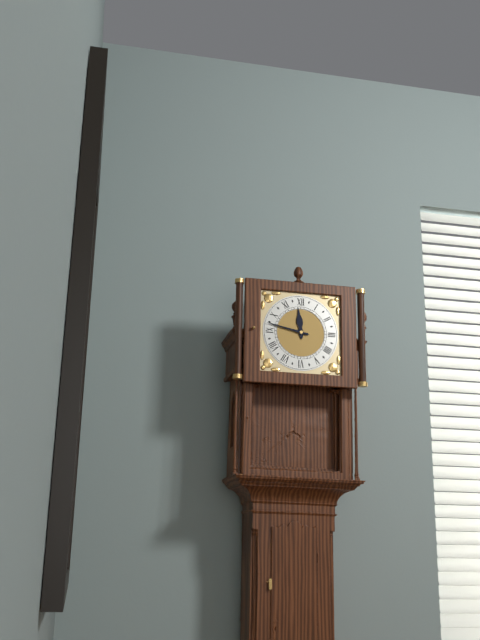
**11:47**
